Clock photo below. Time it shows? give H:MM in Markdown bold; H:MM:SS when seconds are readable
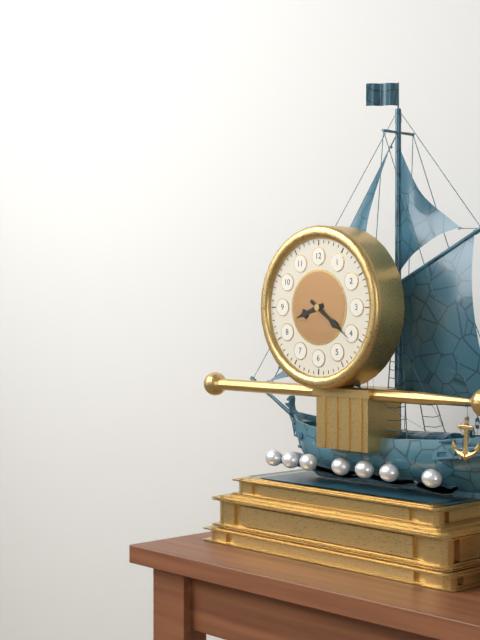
**8:21**
